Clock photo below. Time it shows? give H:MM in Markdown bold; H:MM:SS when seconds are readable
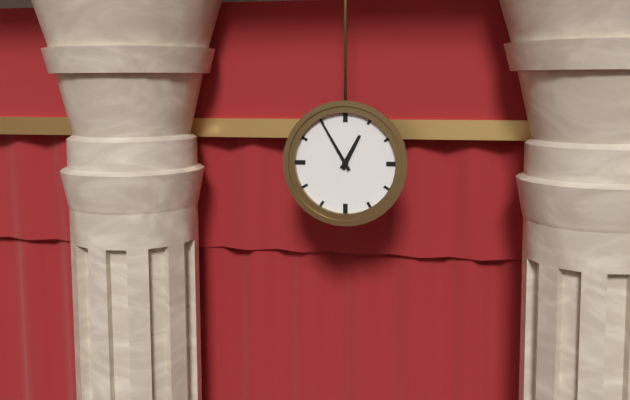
**12:55**
